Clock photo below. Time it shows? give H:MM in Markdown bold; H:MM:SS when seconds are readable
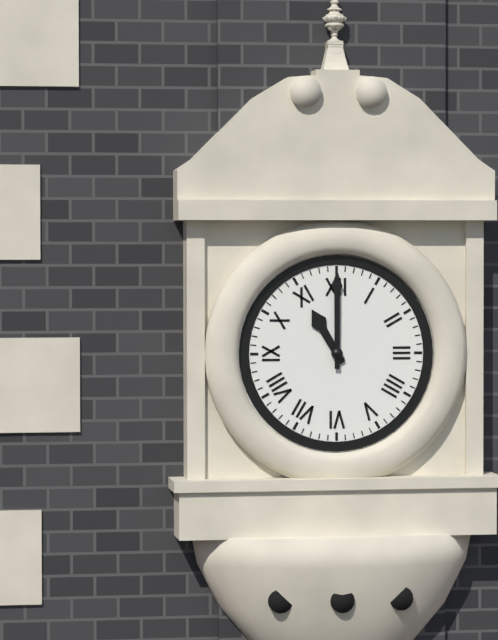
**11:00**
